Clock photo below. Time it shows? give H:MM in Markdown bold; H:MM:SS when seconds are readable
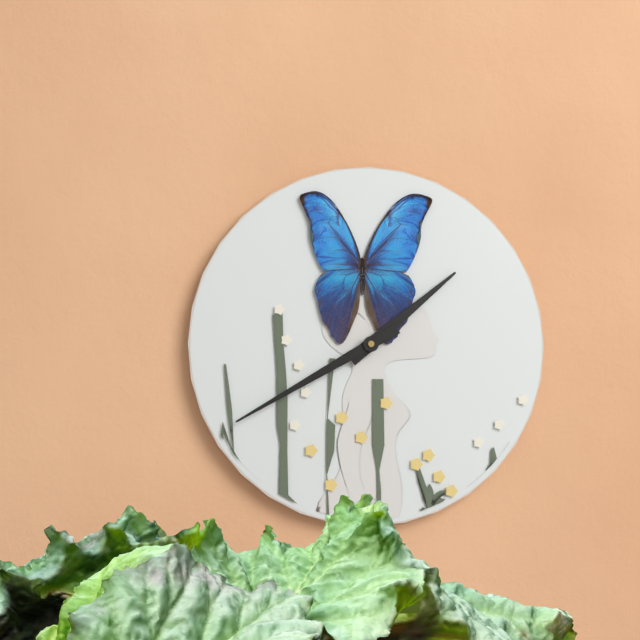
**1:40**
